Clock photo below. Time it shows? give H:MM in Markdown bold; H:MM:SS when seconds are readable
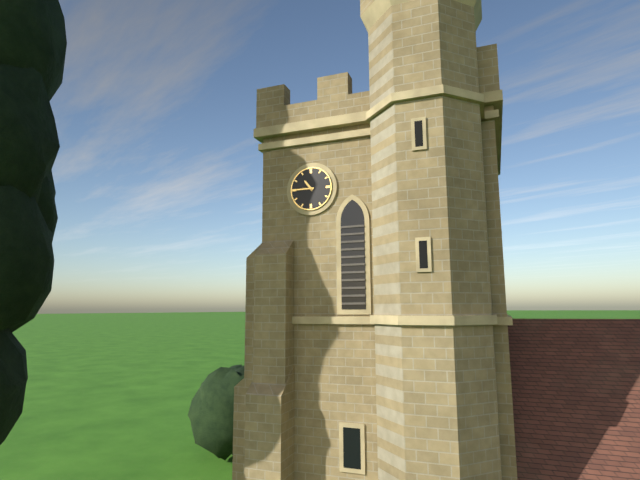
**10:45**
